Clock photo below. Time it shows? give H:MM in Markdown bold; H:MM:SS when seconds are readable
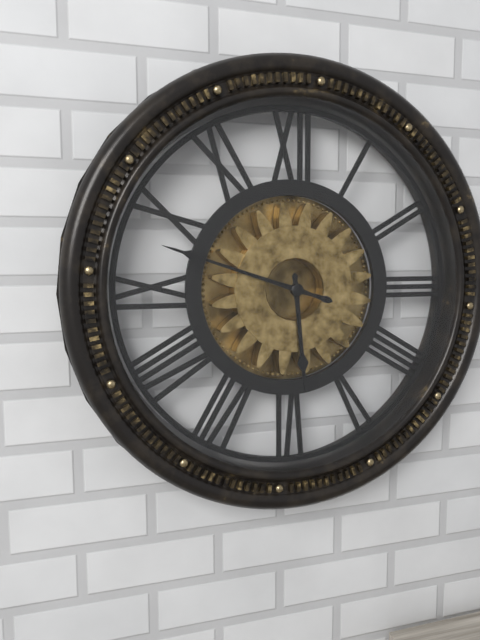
**5:48**
